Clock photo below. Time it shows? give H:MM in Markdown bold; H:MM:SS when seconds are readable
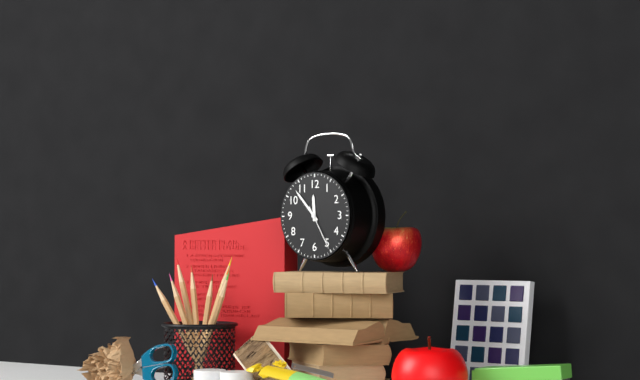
**11:53**
